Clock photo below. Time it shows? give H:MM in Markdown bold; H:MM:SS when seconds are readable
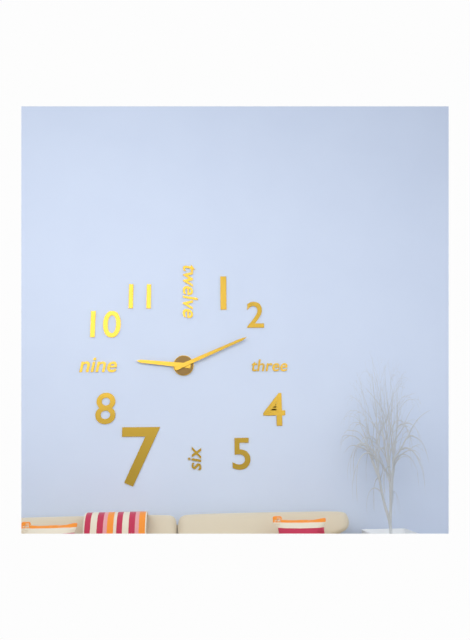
**9:11**
